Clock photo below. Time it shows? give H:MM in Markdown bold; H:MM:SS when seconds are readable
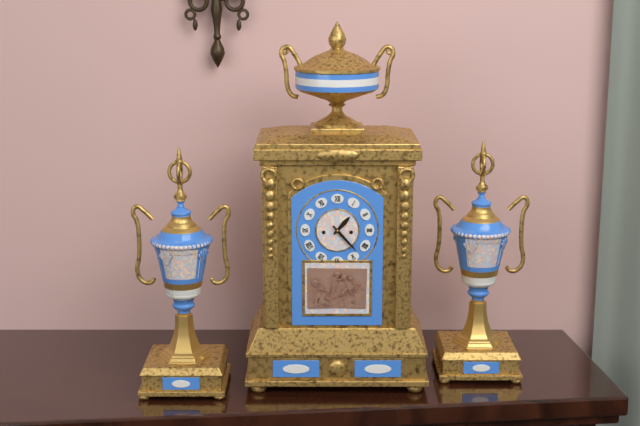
**1:23**
